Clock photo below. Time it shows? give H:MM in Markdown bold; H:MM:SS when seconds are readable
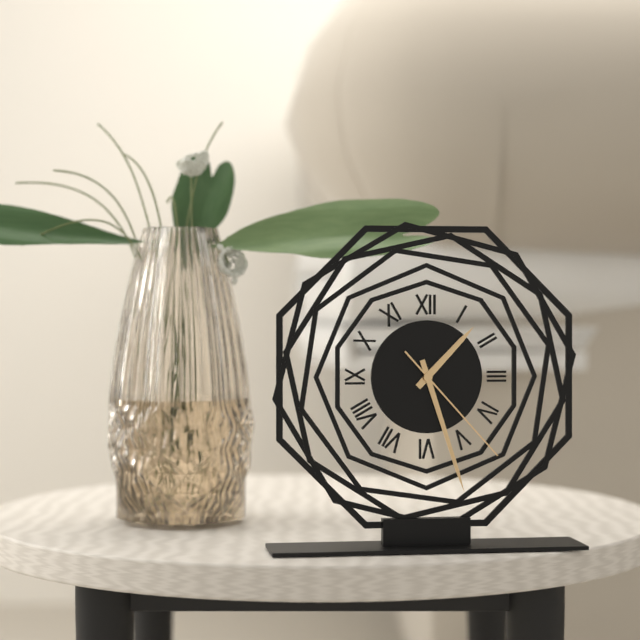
**1:27:23**
